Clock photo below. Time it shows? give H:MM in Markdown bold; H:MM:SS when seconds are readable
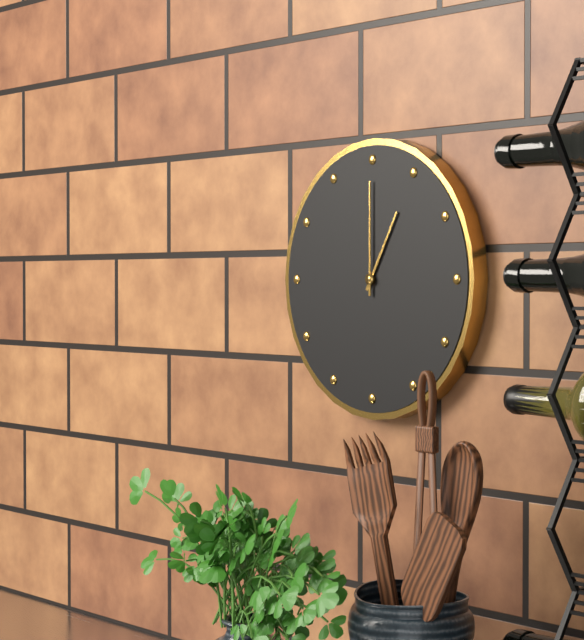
**1:00**
